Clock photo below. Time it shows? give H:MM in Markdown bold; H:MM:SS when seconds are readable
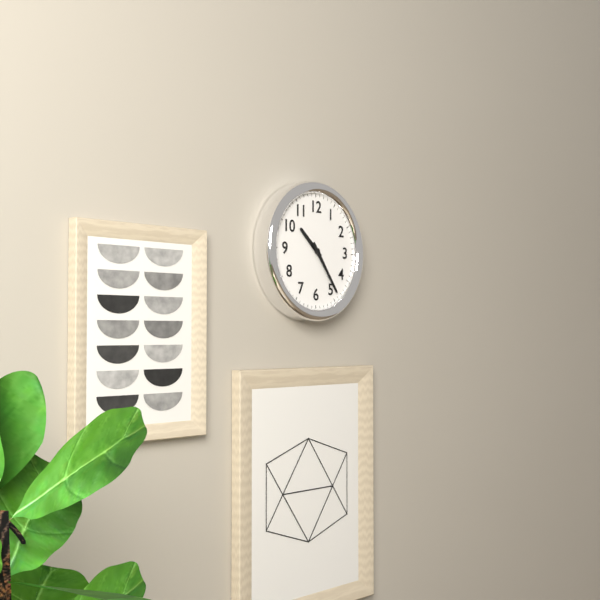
**10:24**
